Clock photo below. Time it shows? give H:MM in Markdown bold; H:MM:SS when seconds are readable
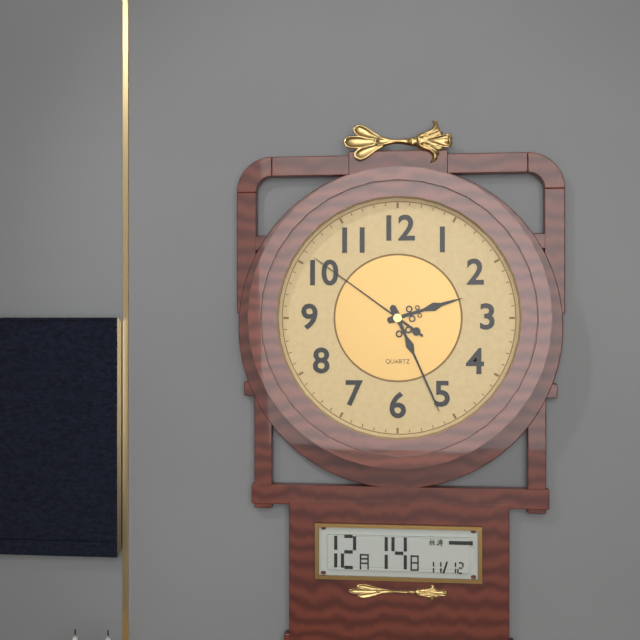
**2:26:51**
